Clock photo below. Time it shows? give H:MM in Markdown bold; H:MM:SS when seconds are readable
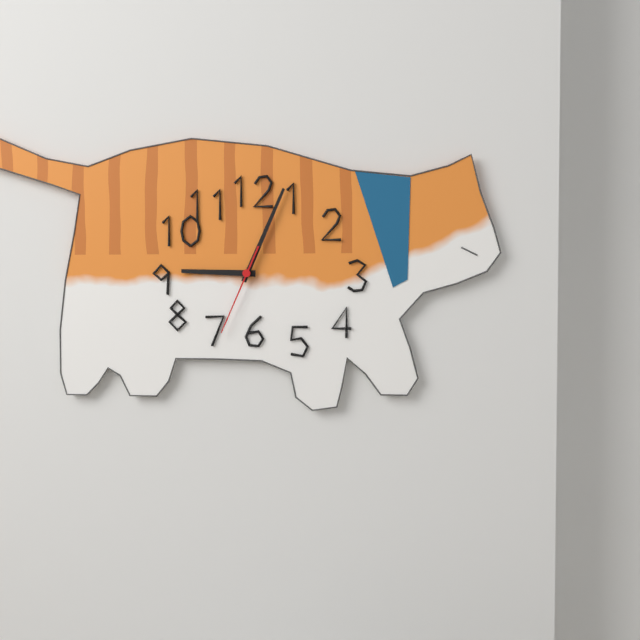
**9:04:34**
